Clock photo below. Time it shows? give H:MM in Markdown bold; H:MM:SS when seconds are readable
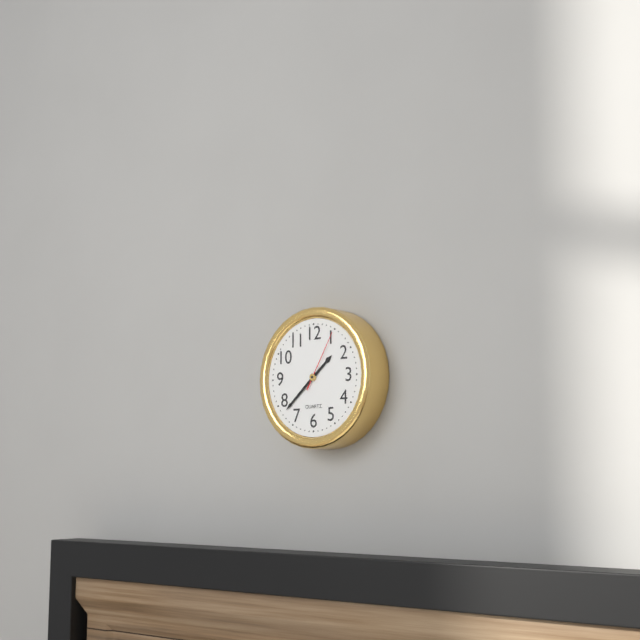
**1:38:05**
